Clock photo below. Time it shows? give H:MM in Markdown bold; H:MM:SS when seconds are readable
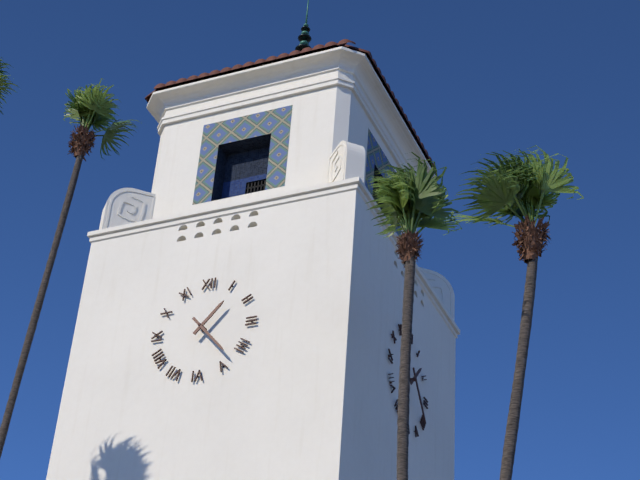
**1:23**
